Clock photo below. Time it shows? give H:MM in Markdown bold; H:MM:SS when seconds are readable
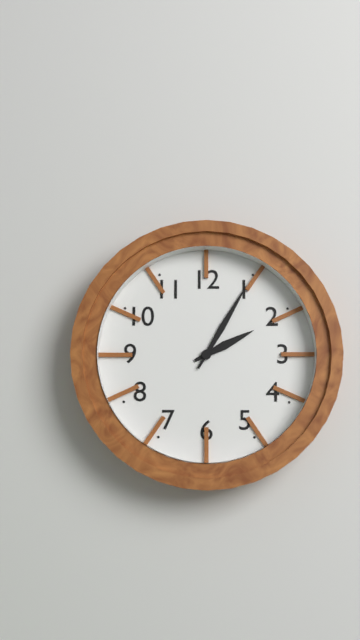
**2:05**
